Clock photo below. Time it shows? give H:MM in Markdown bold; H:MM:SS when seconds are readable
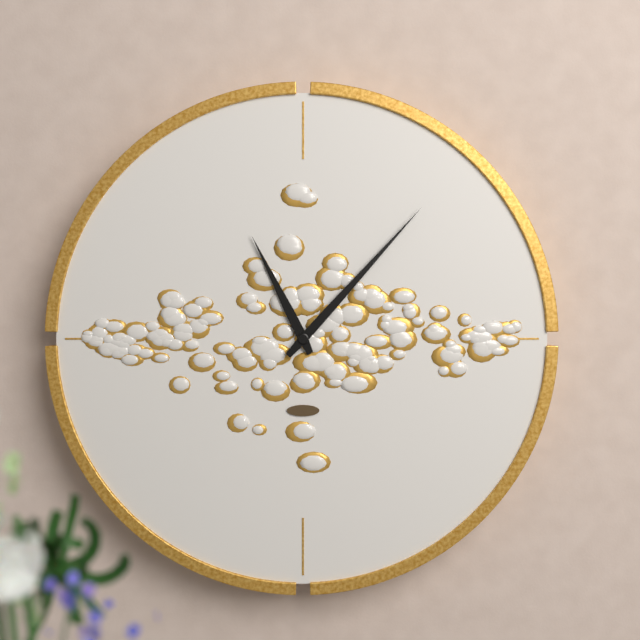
**11:07**
